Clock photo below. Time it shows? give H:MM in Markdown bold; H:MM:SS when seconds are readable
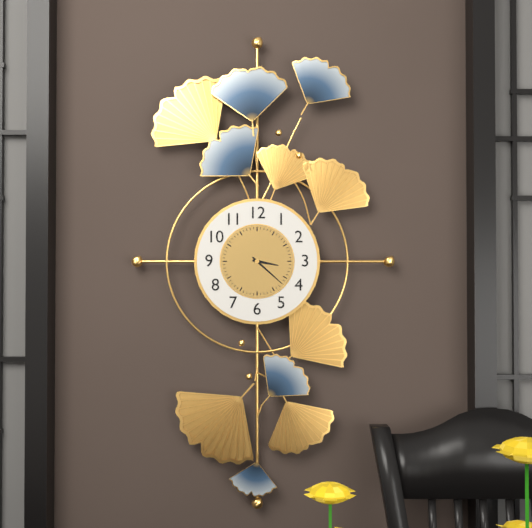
**3:22**
